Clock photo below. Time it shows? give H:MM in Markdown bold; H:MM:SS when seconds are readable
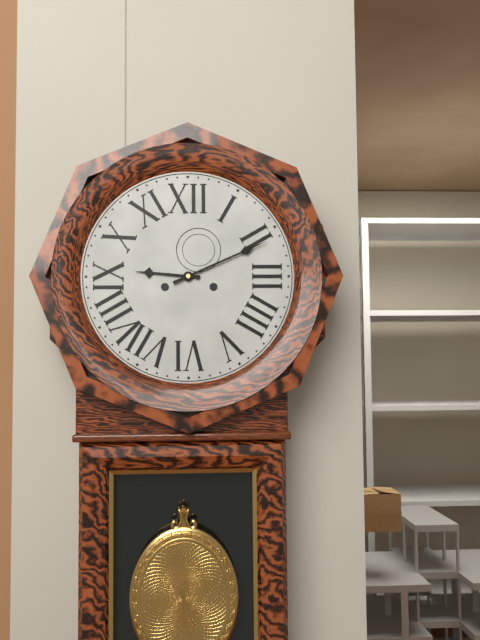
**9:11**
